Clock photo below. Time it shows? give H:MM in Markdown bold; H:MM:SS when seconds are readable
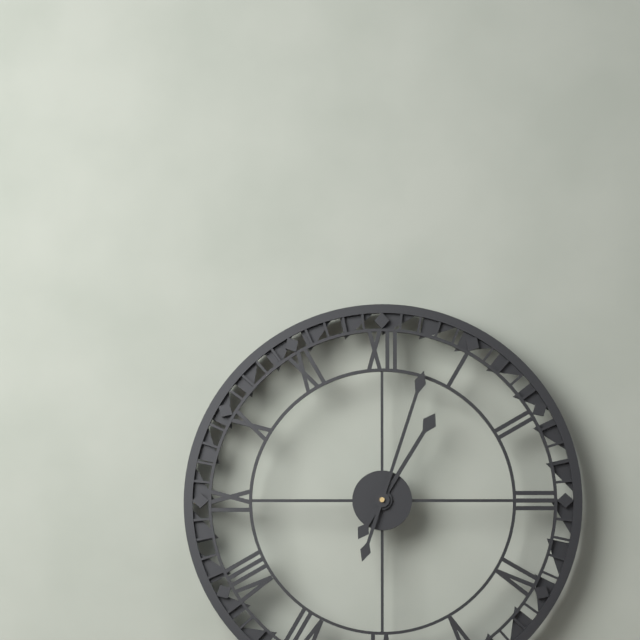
**1:03**
